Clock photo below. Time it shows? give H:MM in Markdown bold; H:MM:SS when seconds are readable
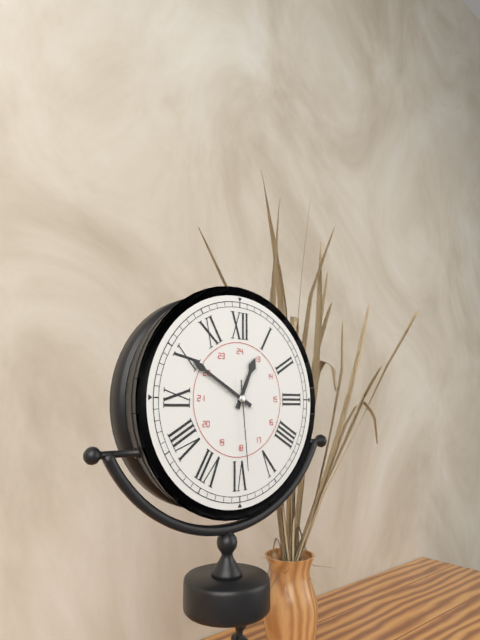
**12:50:29**
